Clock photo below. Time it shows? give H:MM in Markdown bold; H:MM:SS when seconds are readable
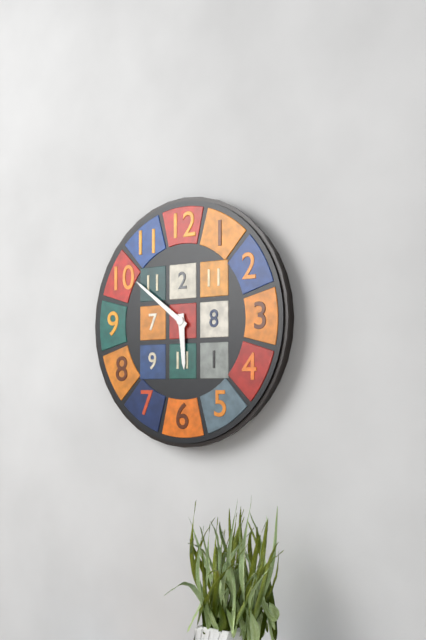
**5:51**
